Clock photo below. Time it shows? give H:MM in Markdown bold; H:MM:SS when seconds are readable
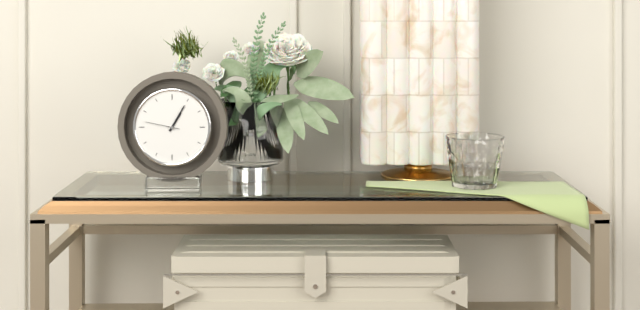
**1:05**
